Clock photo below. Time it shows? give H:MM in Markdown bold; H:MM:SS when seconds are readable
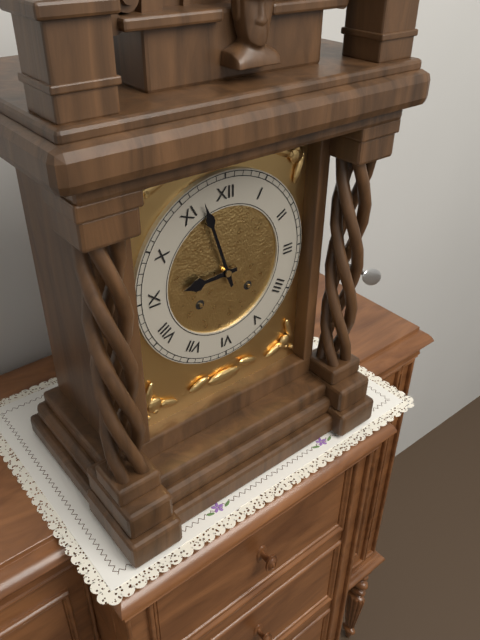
**8:57**
